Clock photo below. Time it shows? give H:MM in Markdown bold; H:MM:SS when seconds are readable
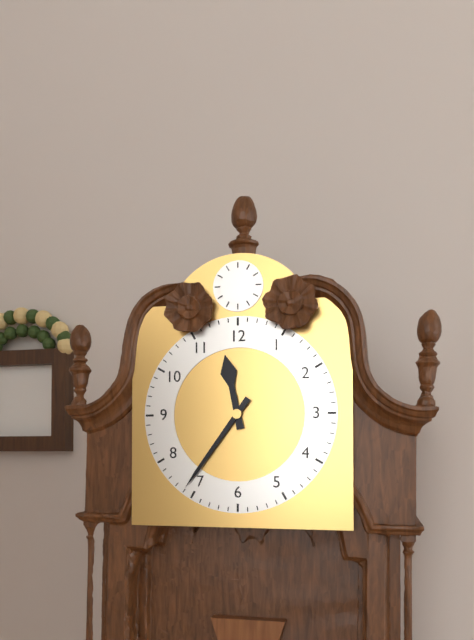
**11:36**
